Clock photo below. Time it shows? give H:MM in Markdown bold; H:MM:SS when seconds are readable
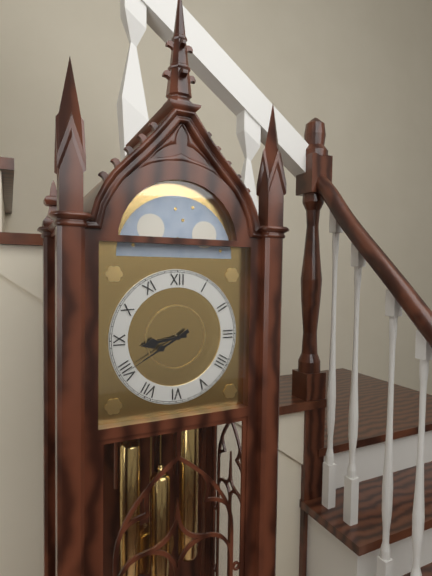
**8:40**
